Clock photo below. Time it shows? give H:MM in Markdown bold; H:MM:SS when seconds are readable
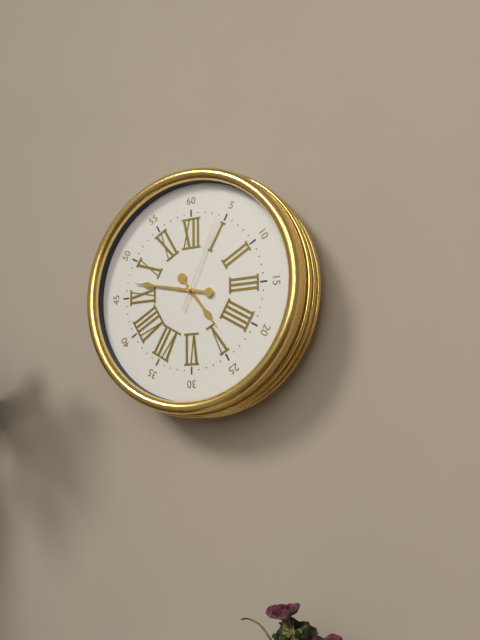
**4:47:04**
